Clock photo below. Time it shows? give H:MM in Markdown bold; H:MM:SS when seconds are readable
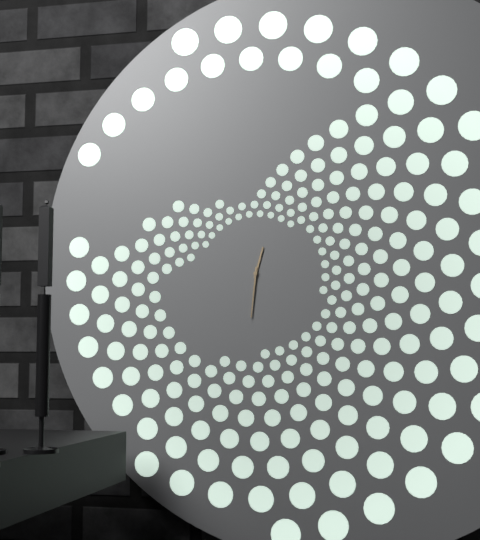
**12:31**
